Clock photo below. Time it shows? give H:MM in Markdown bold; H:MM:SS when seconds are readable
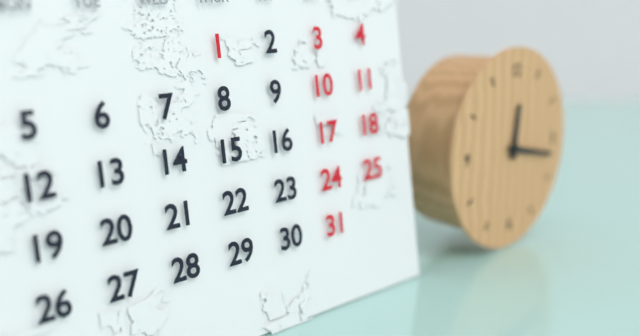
**12:17**
